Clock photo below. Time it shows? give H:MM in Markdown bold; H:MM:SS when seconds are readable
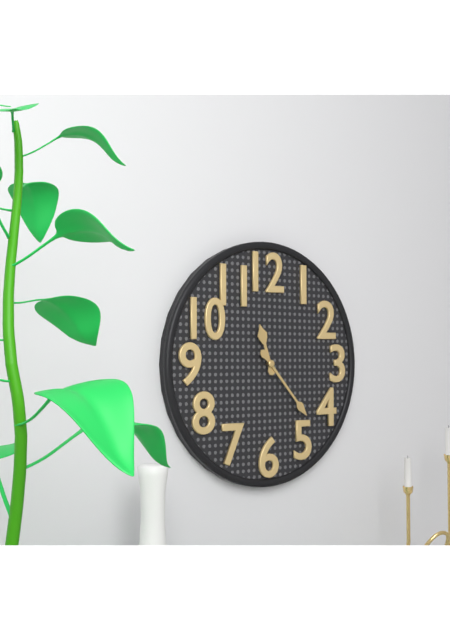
**11:23**
